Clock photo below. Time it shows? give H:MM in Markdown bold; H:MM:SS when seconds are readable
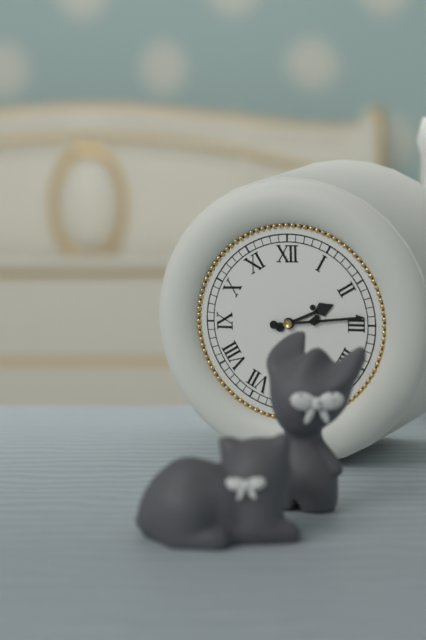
**2:14**
